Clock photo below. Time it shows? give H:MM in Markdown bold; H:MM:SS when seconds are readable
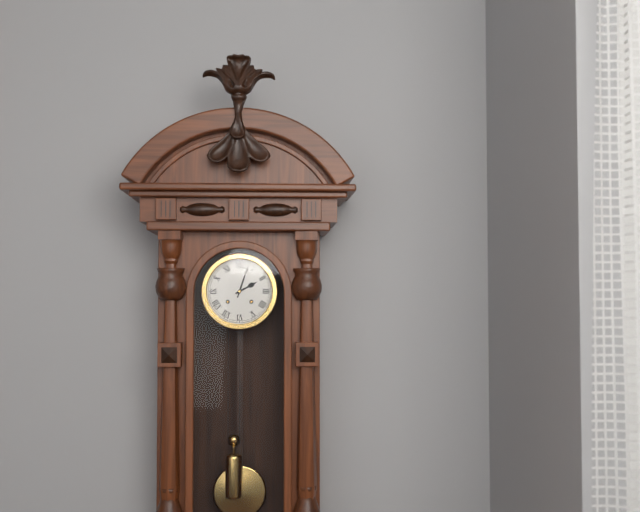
**2:03**
